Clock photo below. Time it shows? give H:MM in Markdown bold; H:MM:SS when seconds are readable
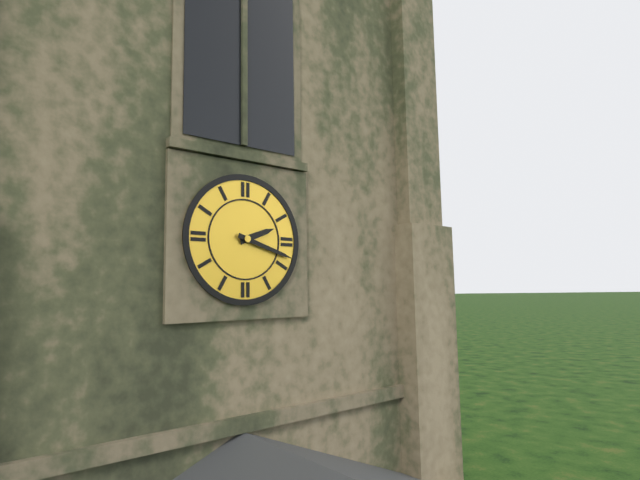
**2:18**
